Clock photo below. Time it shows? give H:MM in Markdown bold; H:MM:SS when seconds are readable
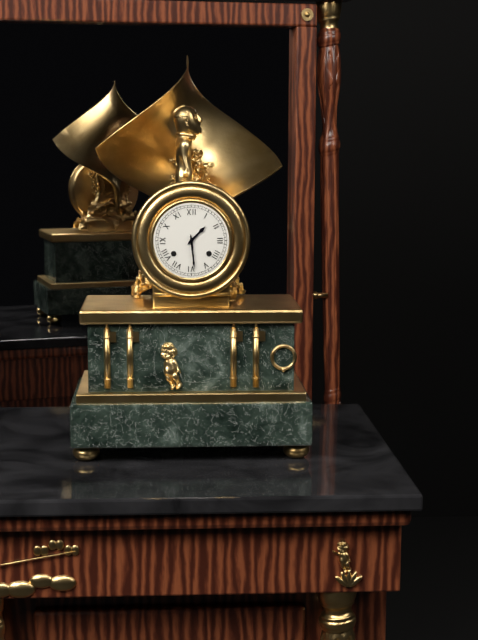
**1:29**
